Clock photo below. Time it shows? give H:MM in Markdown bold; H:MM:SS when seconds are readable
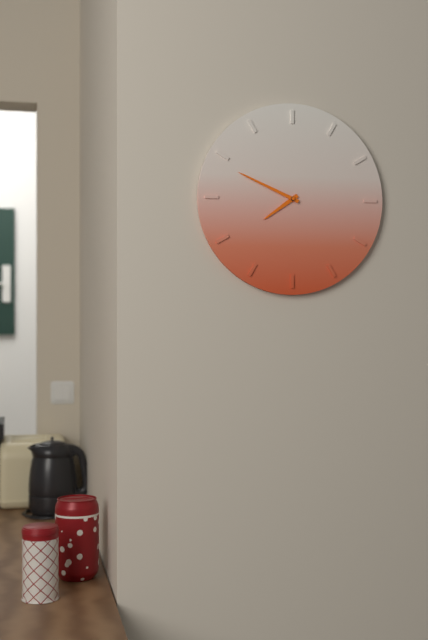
**7:49**
